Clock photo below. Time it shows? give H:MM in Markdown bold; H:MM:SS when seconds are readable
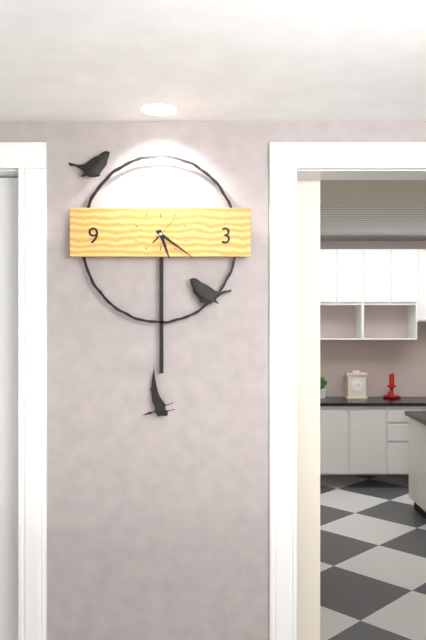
**5:21**
